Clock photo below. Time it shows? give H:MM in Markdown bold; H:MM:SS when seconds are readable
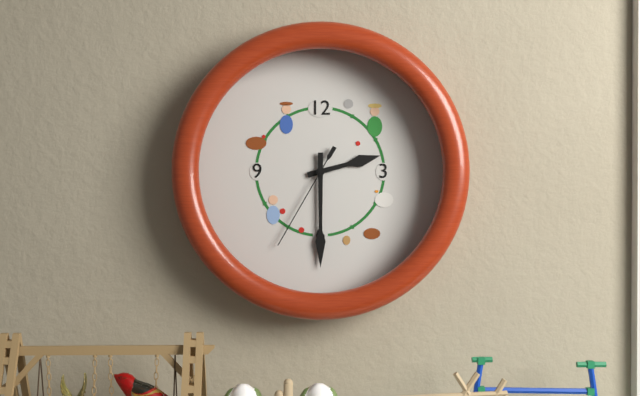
**2:30:35**
